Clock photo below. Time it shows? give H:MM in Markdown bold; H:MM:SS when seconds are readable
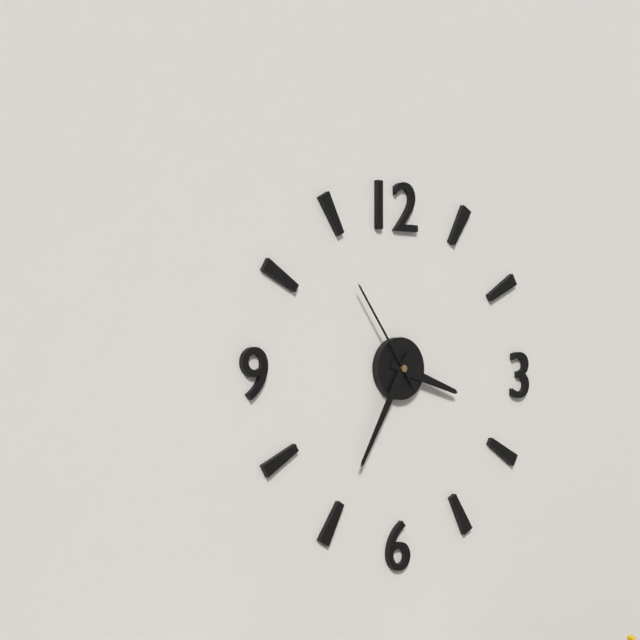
**3:35:54**
